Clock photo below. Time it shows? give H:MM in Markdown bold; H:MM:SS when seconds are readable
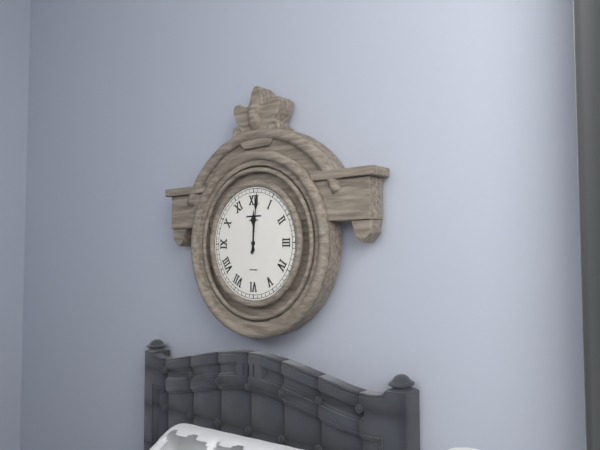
**12:01**
